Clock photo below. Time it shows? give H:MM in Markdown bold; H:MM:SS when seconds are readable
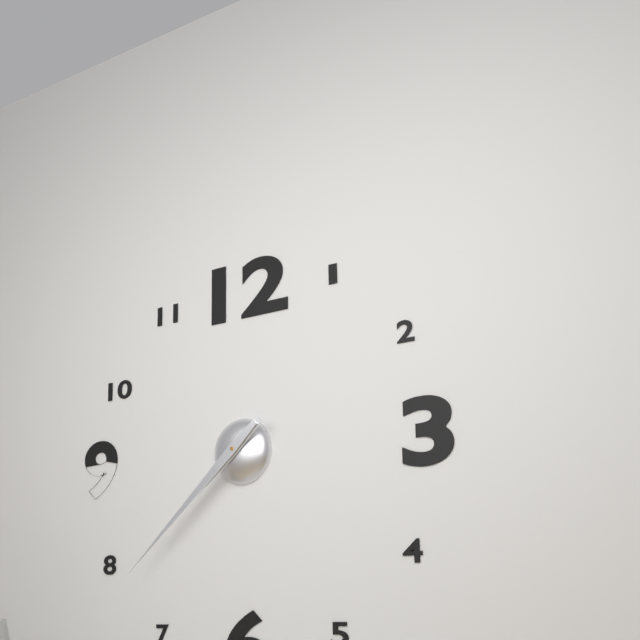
**7:38**
